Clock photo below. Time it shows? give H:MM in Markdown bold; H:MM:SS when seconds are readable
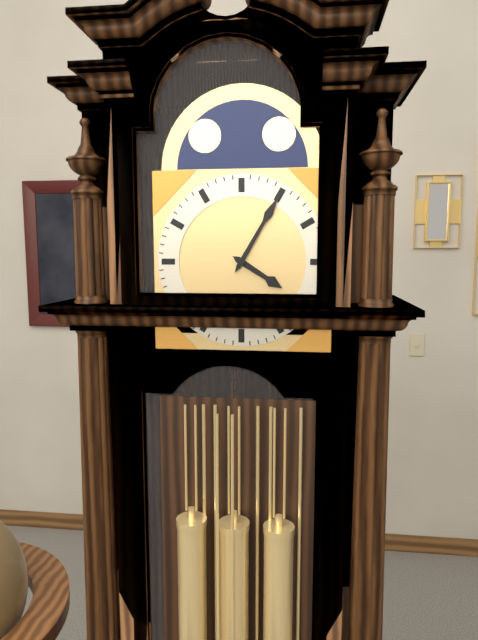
**4:05**
